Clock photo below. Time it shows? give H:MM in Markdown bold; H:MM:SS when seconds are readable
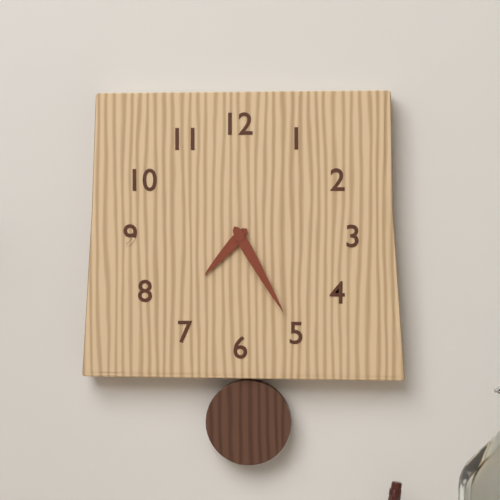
**7:25**
